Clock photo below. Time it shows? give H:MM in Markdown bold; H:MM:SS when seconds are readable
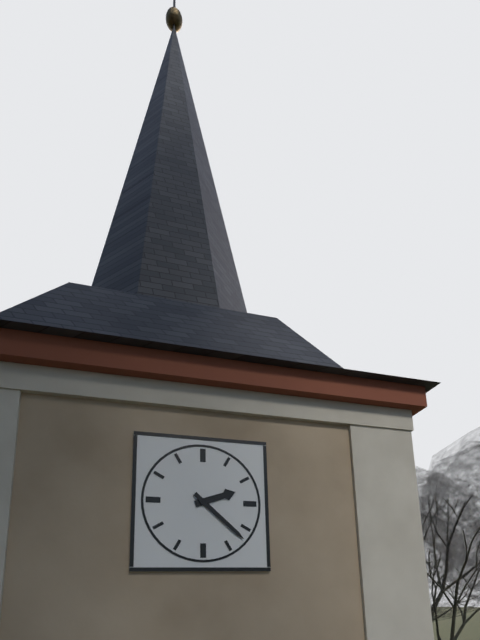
**2:22**
